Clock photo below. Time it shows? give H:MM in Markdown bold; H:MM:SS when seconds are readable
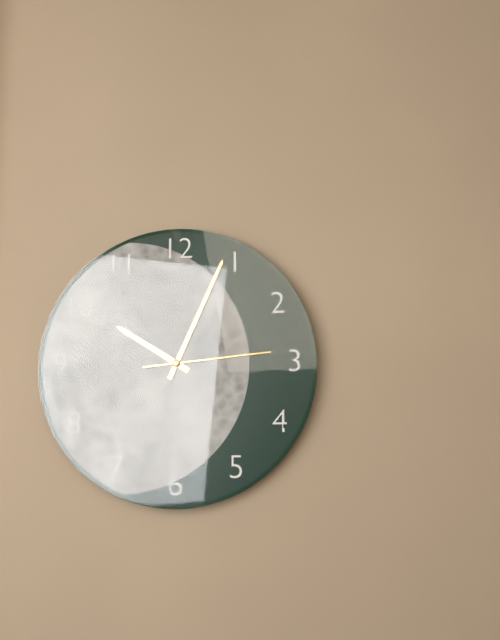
**10:04:14**
